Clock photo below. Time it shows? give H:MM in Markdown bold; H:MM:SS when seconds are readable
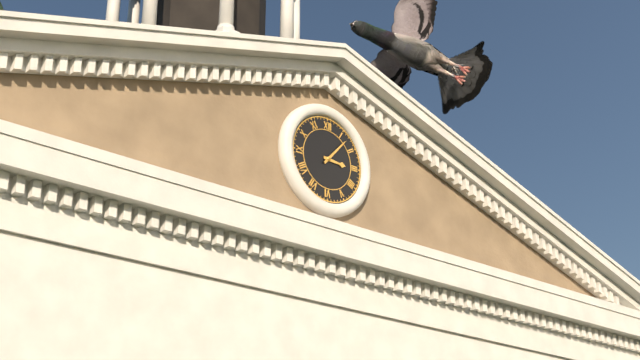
**3:07**
